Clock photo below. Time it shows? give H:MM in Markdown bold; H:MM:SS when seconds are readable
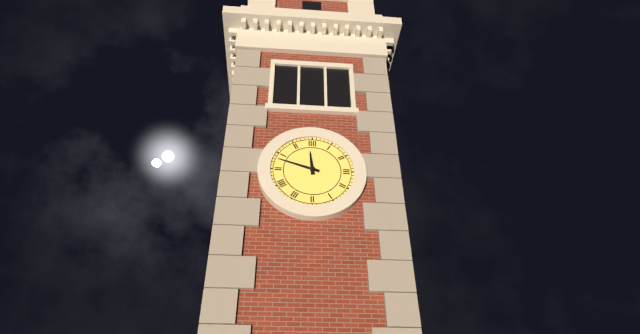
**11:48**
